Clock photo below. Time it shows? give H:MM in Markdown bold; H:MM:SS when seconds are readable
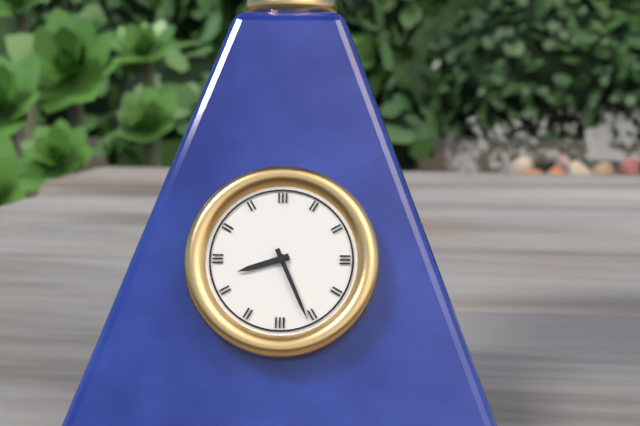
**8:26**
